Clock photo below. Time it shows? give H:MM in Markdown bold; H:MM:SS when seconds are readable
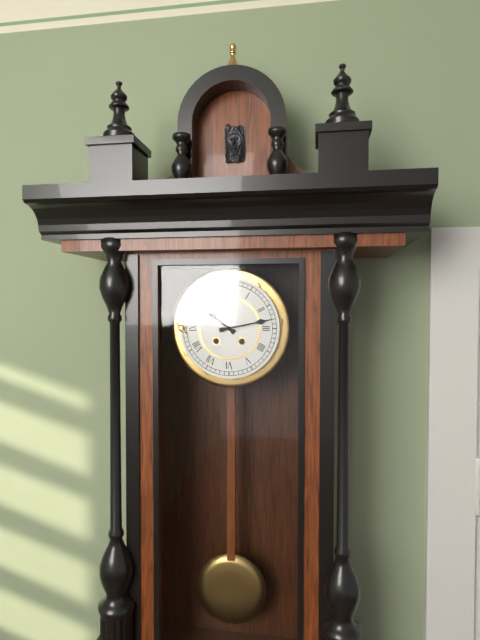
**10:13**
